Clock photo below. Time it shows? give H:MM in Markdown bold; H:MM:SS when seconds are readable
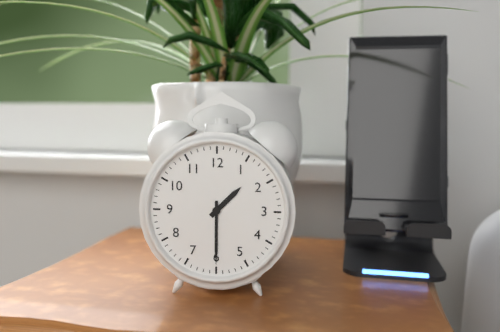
**1:30**
